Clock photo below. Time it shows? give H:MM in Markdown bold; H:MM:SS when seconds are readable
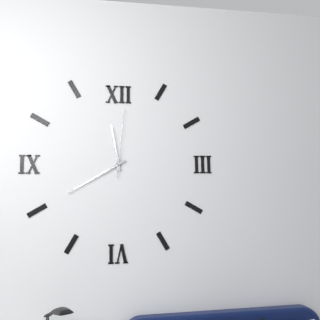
**11:40:01**
